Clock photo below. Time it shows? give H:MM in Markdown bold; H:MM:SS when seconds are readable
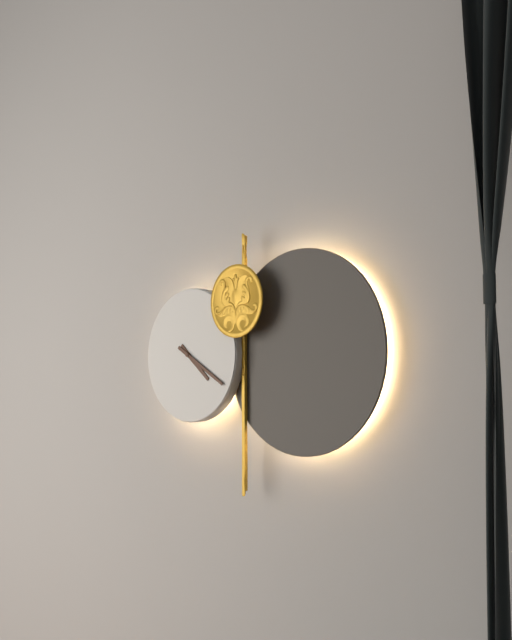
**4:20**
